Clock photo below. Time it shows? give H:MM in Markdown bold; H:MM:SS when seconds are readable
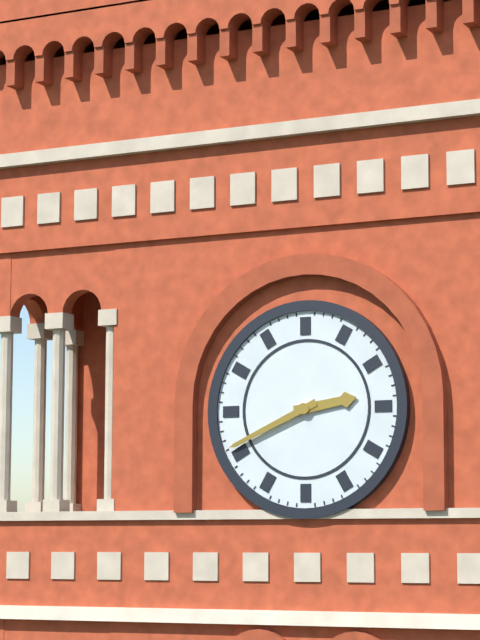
**2:41**
